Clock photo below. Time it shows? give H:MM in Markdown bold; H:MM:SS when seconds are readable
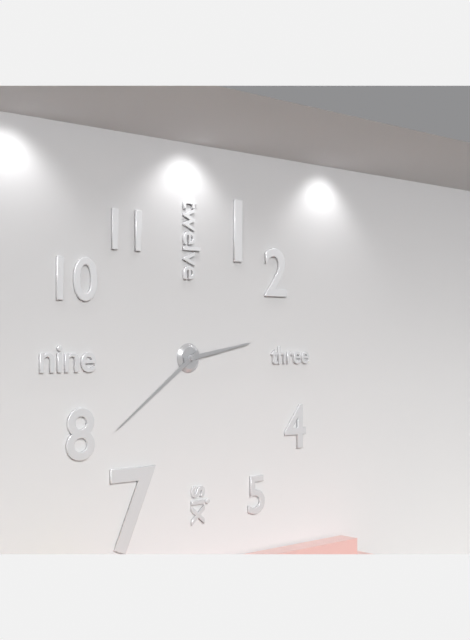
**2:39**
